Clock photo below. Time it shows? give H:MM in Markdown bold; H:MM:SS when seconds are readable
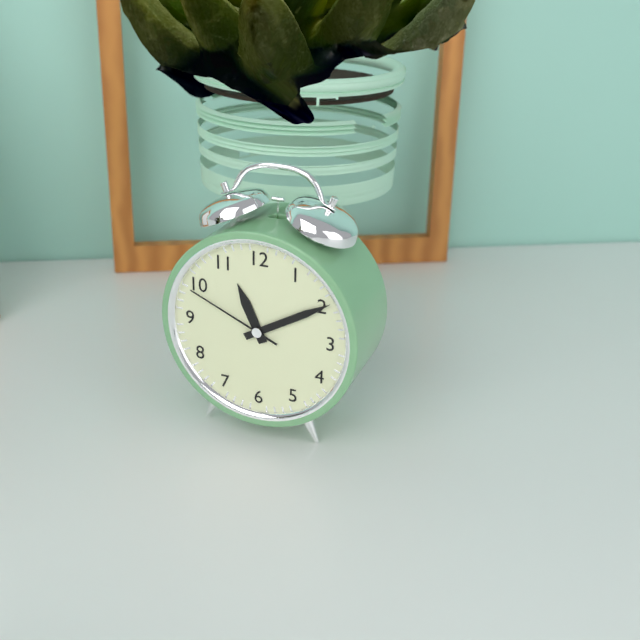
**11:10:49**
